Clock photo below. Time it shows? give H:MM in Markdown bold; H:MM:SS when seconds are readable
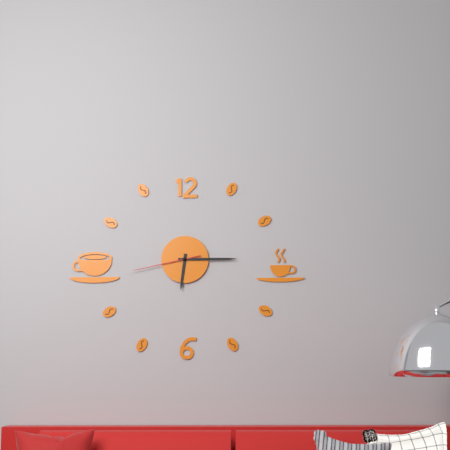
**6:15:43**
